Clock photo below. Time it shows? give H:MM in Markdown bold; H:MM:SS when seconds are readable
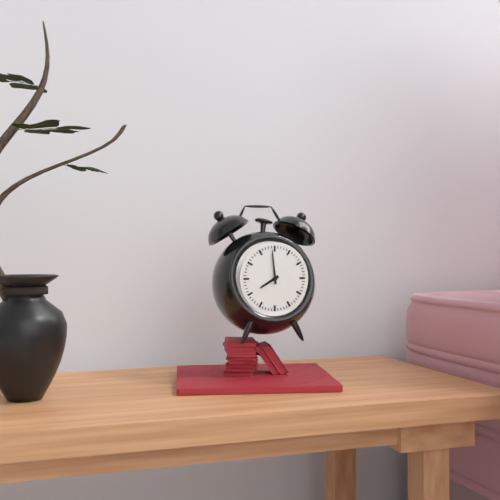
**7:59**
